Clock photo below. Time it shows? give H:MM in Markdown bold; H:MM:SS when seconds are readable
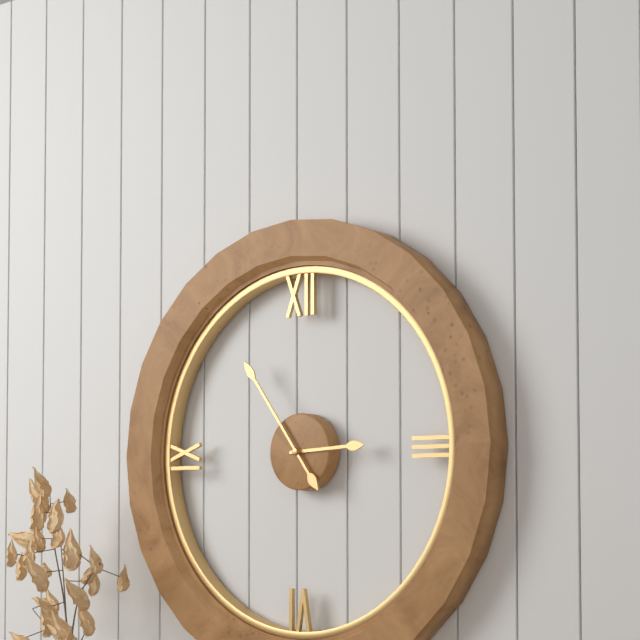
**2:54**
